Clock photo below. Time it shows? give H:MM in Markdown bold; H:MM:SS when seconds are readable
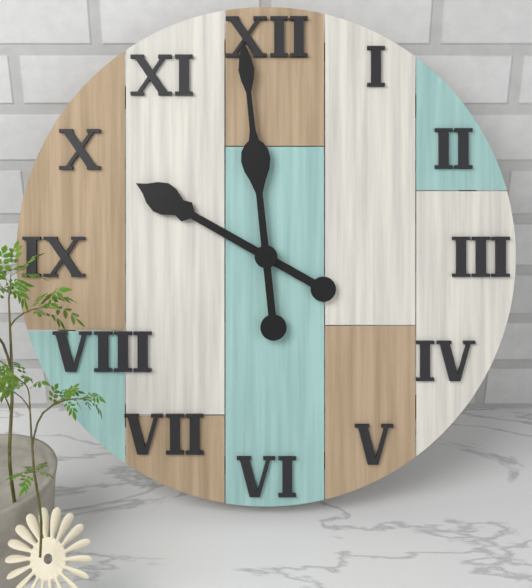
**9:59**
